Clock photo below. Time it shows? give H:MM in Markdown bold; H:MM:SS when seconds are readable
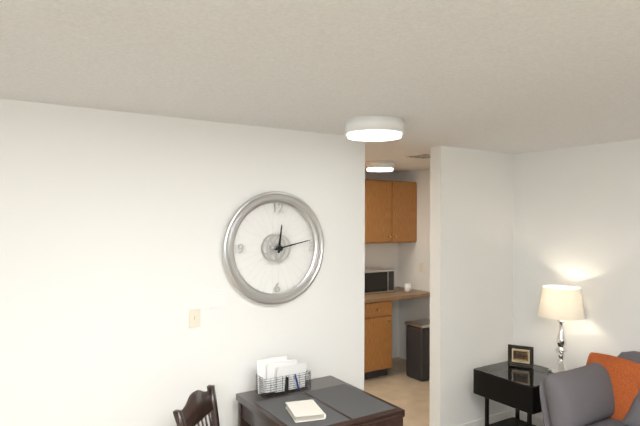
**12:13**
